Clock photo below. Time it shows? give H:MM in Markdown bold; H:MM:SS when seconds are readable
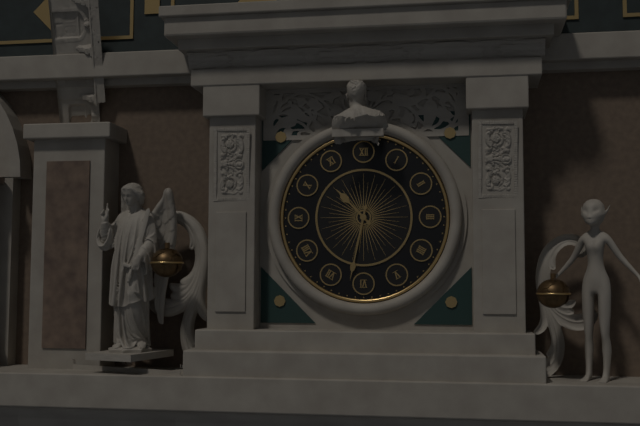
**10:32**
